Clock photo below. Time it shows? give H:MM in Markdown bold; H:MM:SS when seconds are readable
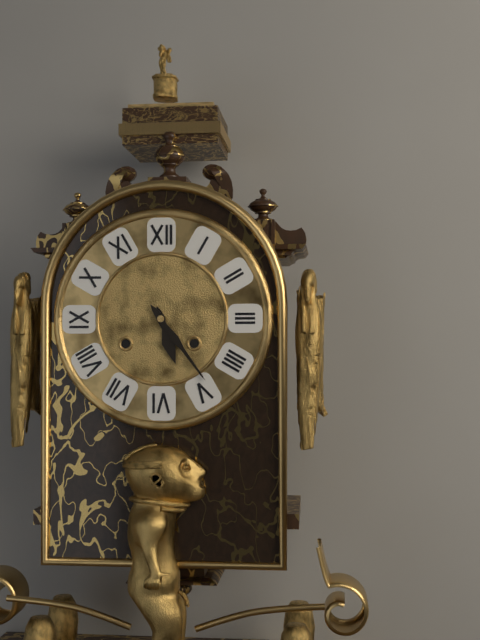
**5:24**
